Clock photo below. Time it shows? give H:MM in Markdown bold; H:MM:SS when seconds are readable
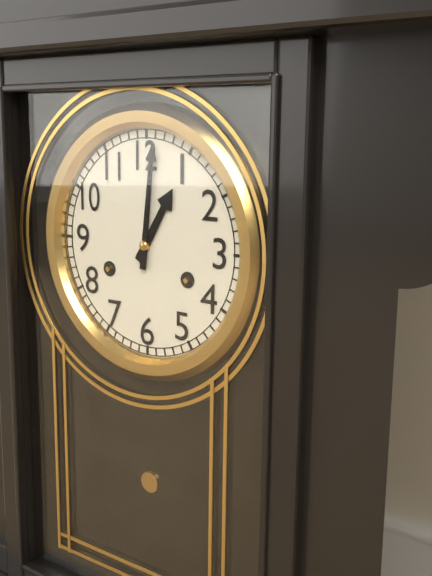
**1:01**
